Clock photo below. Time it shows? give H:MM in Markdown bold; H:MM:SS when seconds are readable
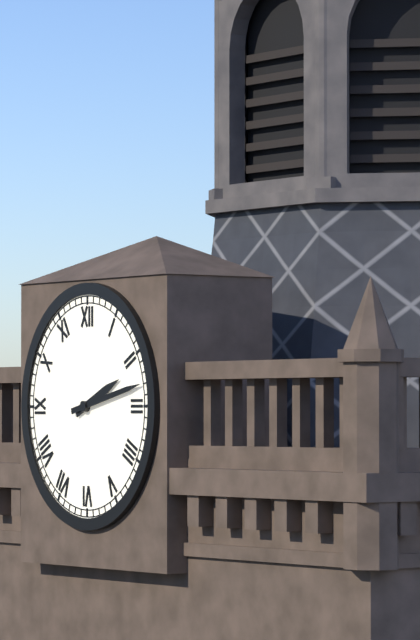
**2:13**
